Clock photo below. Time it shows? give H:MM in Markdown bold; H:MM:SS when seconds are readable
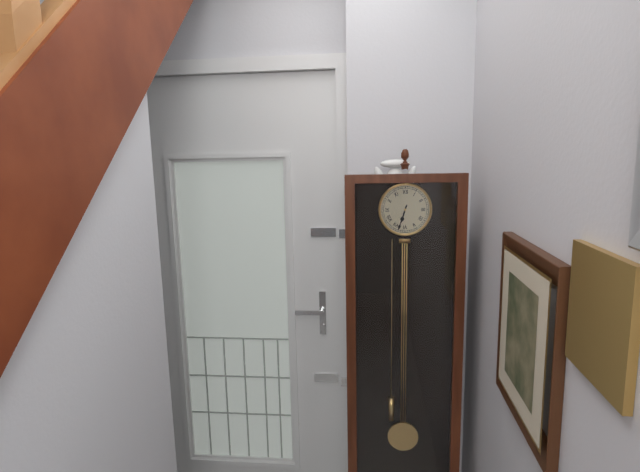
**6:33**
